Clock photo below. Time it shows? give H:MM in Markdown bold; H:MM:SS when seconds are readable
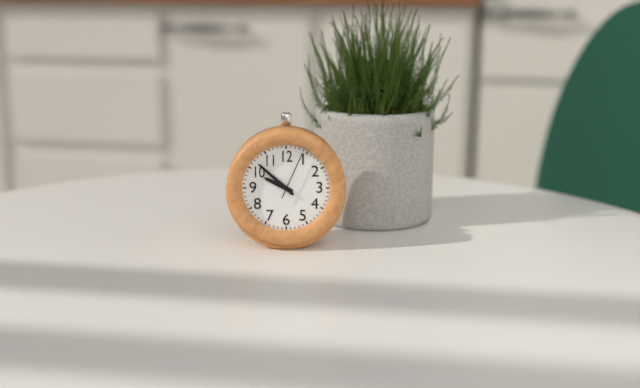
**9:52**
